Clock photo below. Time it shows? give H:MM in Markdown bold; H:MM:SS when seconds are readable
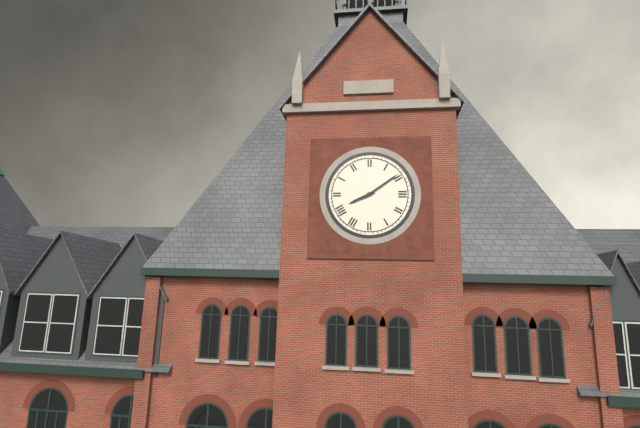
**8:09**
